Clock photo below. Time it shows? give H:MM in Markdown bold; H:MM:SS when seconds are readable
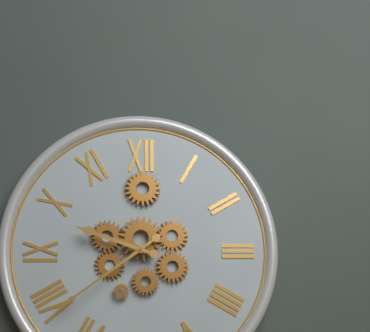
**9:39**
